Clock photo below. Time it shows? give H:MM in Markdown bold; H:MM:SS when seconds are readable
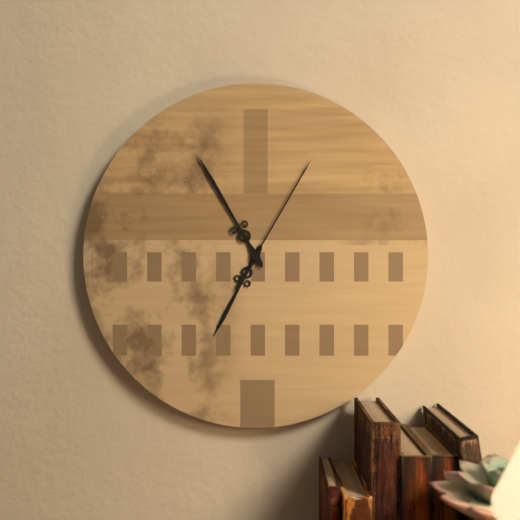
**6:55:05**
